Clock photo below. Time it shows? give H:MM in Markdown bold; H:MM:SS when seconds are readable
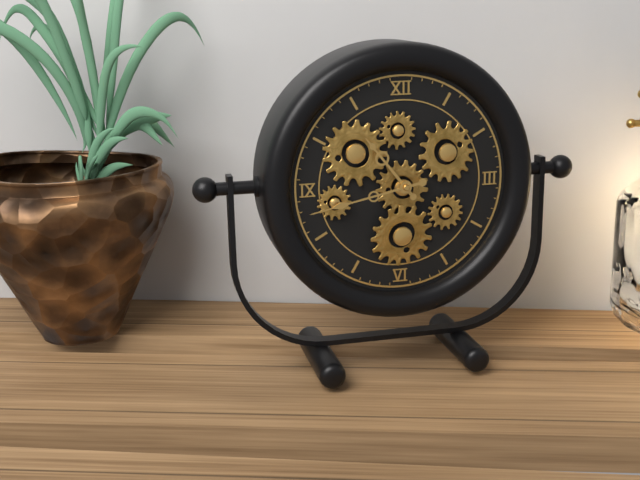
**10:43**
